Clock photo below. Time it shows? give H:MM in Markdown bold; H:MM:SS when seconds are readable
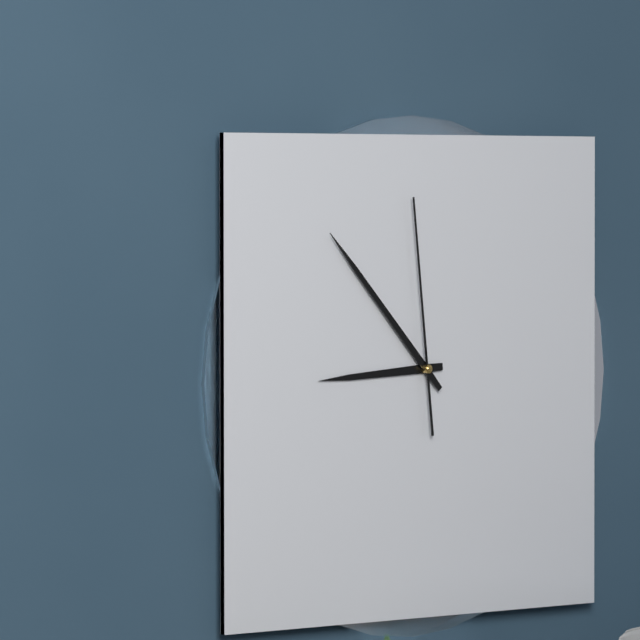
**8:53:59**
